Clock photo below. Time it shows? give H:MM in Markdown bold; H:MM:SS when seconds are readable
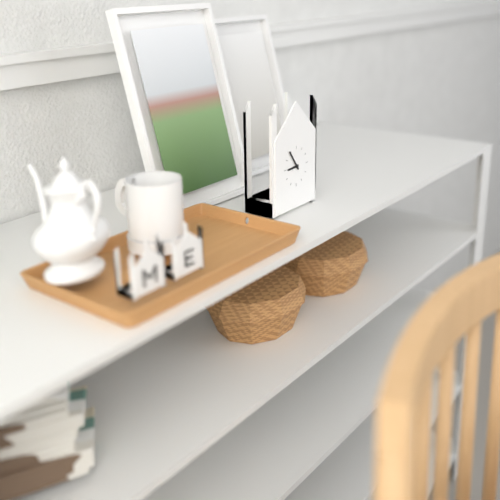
**8:54**
